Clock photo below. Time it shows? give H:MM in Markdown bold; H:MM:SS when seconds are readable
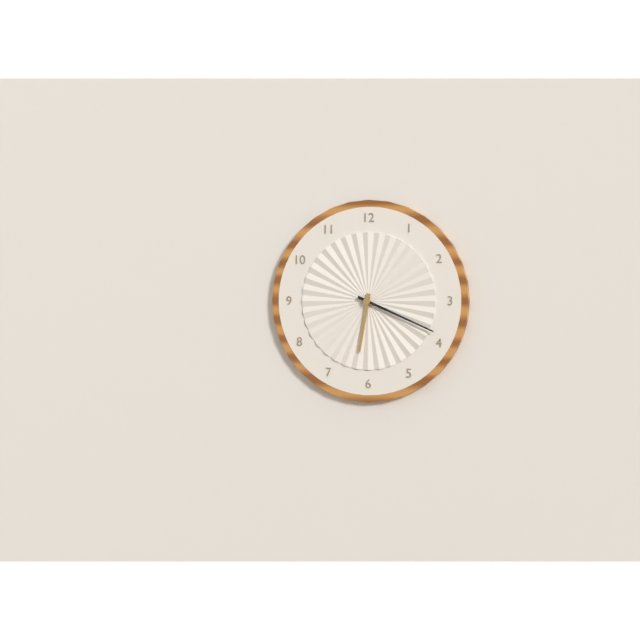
**6:19**
